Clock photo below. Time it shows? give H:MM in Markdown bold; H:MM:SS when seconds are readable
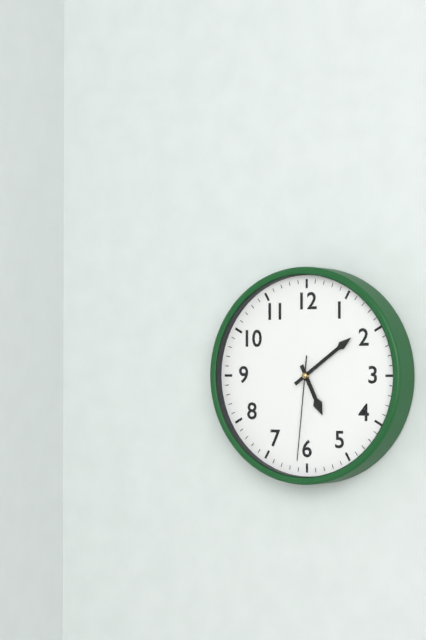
**5:09:31**
